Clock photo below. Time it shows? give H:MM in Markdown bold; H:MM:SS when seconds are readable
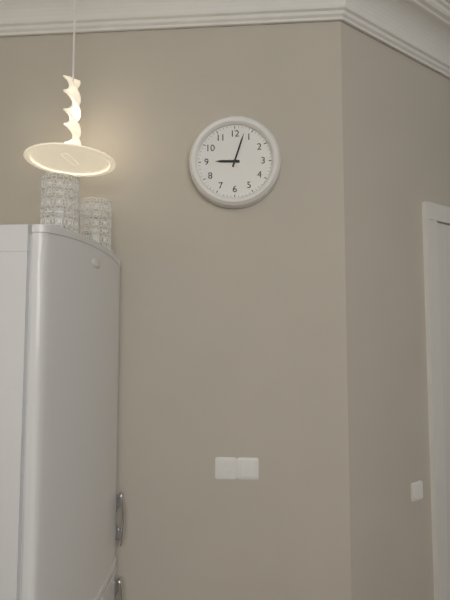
**9:03**
